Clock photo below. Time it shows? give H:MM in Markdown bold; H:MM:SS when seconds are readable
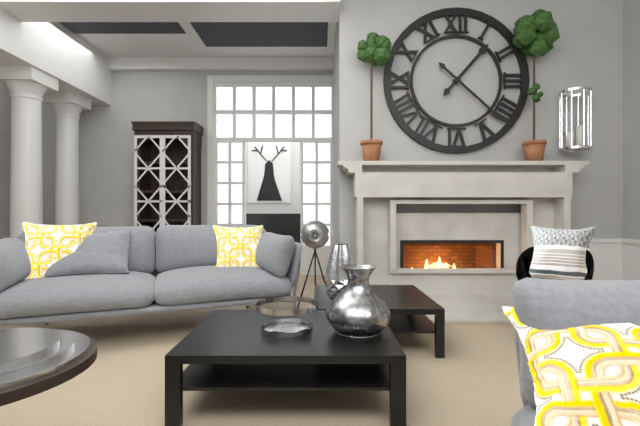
**1:22**
